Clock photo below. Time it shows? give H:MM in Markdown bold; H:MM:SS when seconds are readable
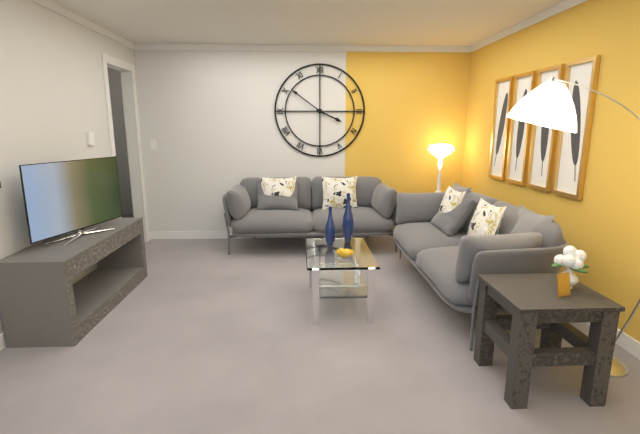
**3:51**
